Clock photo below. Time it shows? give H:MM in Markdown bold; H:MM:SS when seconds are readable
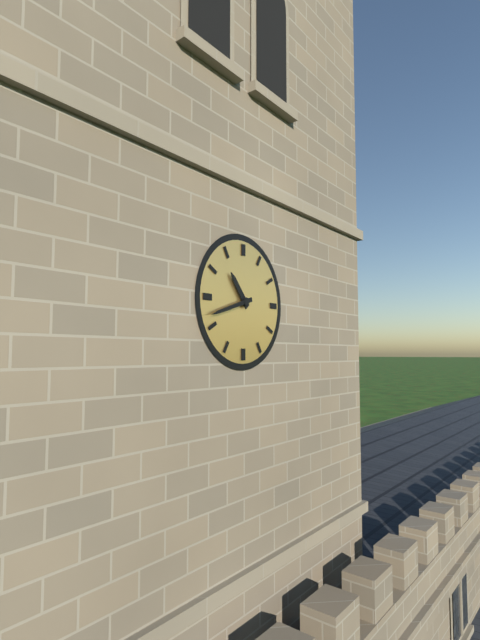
**10:42**
